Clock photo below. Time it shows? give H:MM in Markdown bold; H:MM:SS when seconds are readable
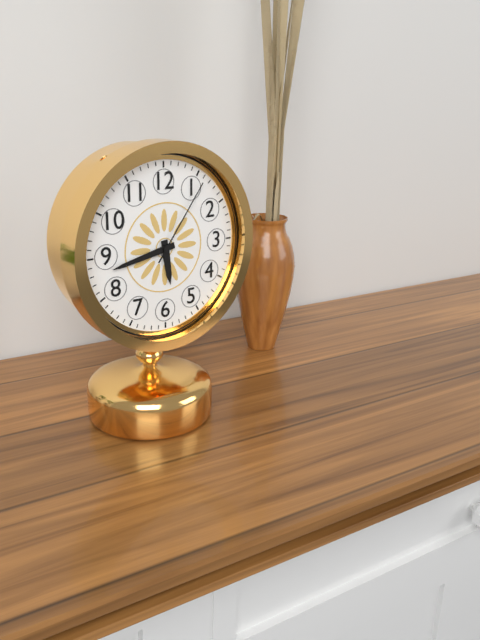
**5:43:06**
